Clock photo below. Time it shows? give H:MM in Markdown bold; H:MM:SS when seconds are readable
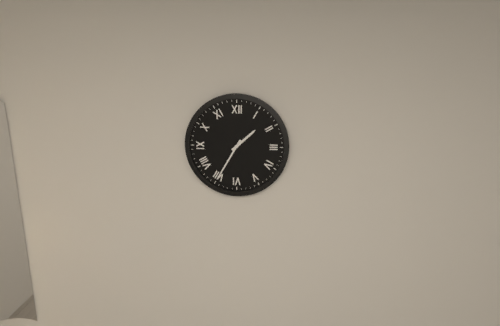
**1:35**
